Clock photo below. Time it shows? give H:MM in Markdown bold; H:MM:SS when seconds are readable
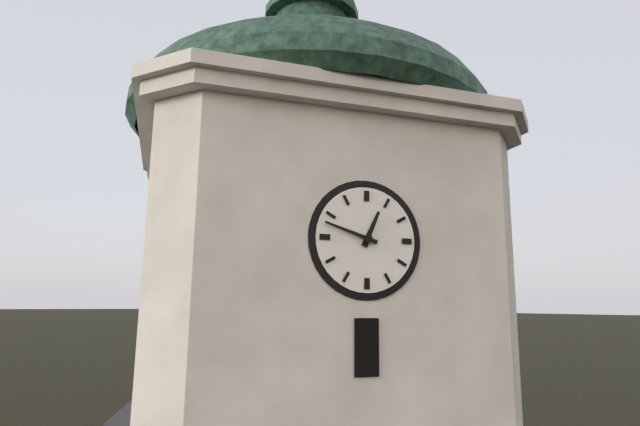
**12:48**
